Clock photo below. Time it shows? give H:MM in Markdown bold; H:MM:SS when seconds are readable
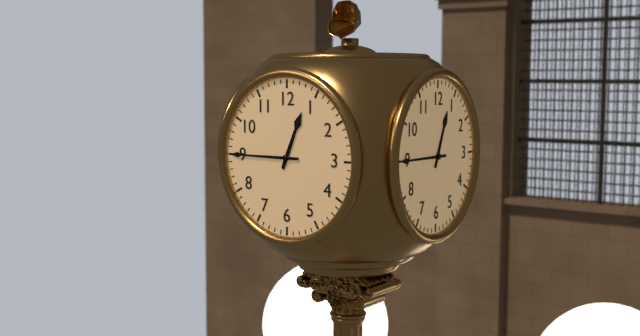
**12:45**
